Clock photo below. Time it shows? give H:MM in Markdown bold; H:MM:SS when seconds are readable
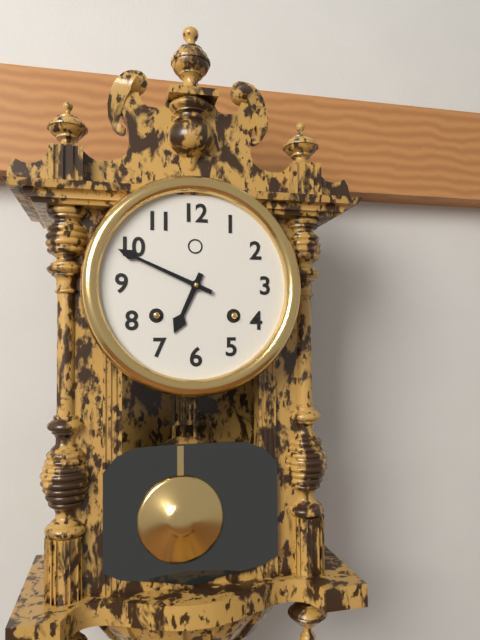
**6:49**
